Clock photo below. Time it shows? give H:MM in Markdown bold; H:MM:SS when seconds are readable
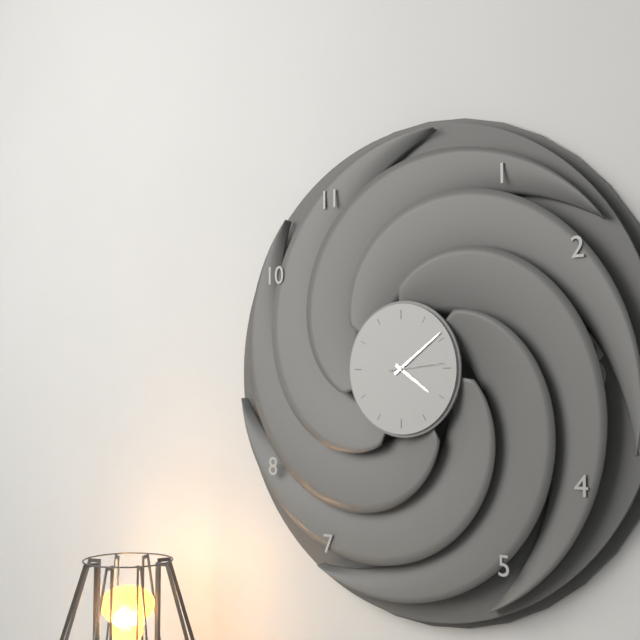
**4:09:14**
